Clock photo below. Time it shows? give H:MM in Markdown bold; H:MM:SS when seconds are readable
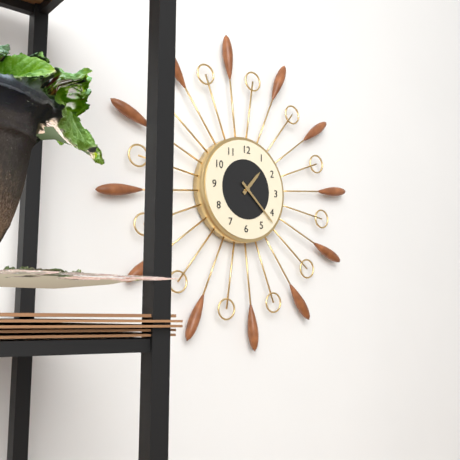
**1:22**
